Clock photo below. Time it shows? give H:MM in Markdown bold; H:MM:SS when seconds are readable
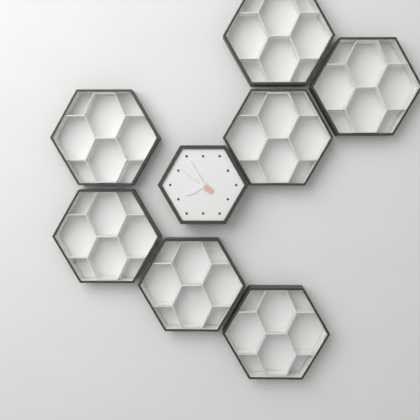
**7:55**
